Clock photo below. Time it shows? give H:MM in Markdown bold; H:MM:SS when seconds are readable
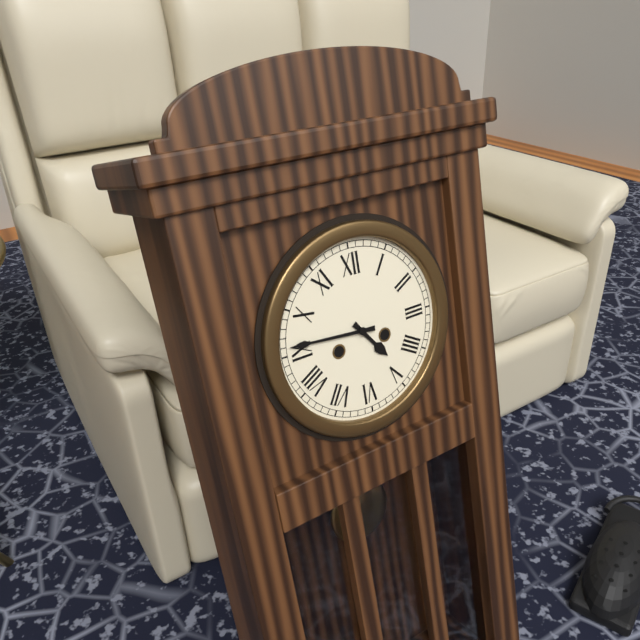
**4:46**
